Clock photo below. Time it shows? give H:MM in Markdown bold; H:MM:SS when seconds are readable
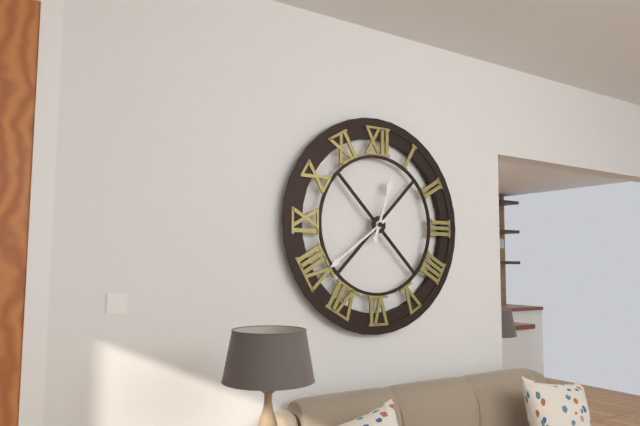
**12:39**
